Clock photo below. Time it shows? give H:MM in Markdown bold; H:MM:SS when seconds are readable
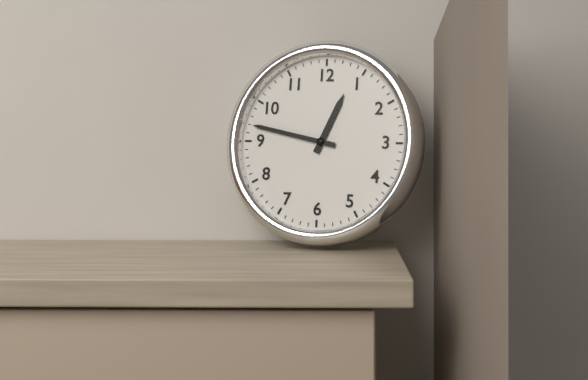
**12:47**
